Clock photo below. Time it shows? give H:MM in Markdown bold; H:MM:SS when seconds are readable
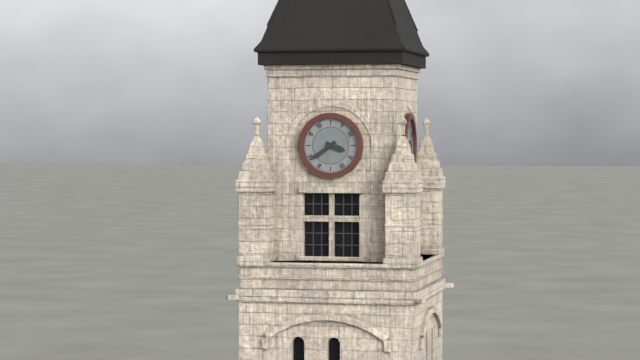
**3:39**
